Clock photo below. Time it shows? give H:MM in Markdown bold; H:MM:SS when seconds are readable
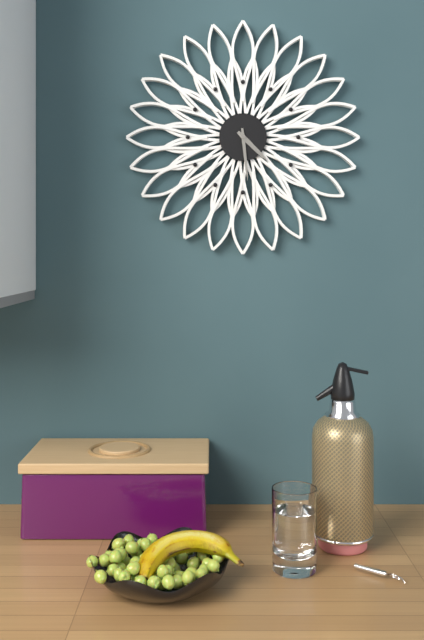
**4:29**
